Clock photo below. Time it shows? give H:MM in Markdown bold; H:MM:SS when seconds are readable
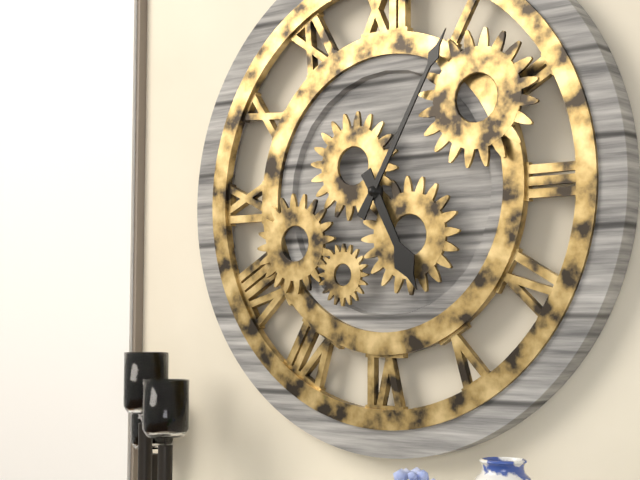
**5:05**
